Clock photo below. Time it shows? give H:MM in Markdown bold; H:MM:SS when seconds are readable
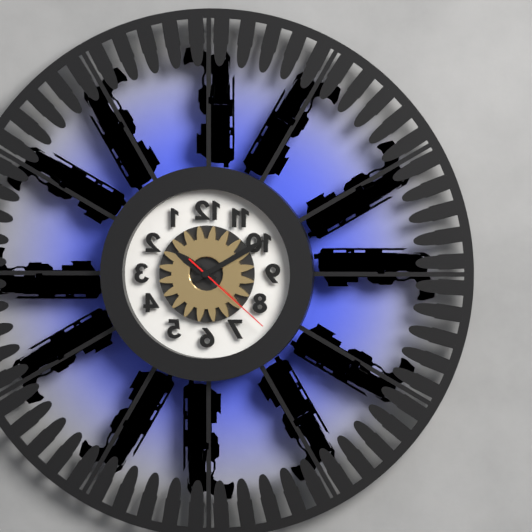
**10:10:22**
